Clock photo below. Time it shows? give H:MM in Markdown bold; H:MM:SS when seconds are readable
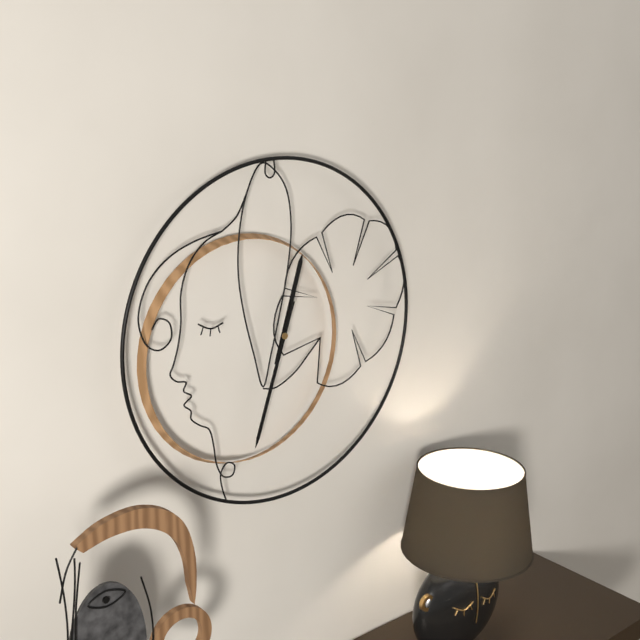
**12:33**
